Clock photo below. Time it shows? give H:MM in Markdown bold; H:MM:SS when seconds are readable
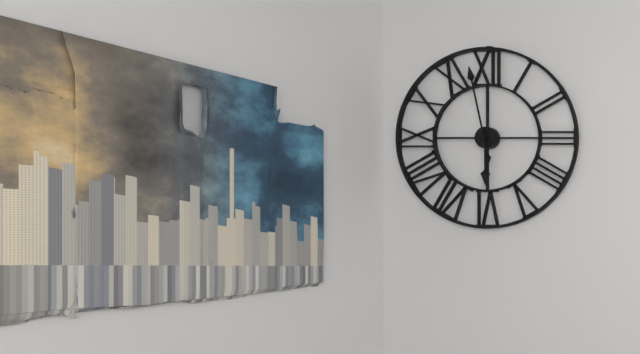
**5:58**
